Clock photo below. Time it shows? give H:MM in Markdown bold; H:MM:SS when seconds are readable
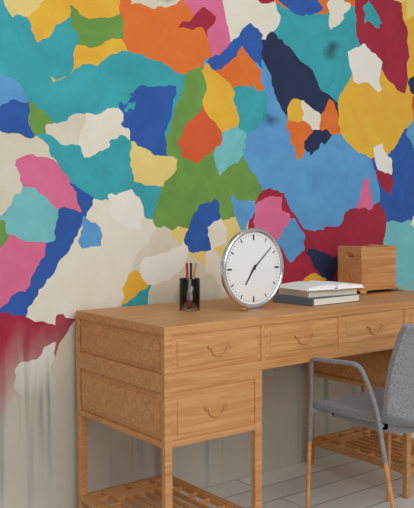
**7:08**
